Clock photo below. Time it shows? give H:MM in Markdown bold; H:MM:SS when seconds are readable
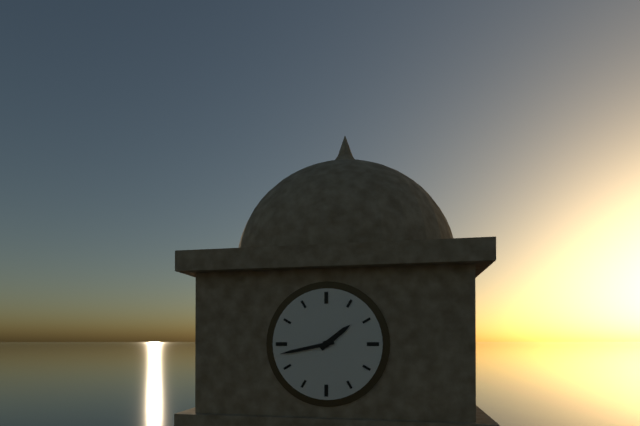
**1:43**
